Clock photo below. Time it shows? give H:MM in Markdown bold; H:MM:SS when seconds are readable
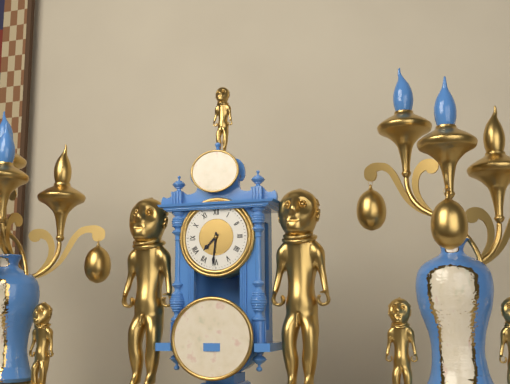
**7:31**
